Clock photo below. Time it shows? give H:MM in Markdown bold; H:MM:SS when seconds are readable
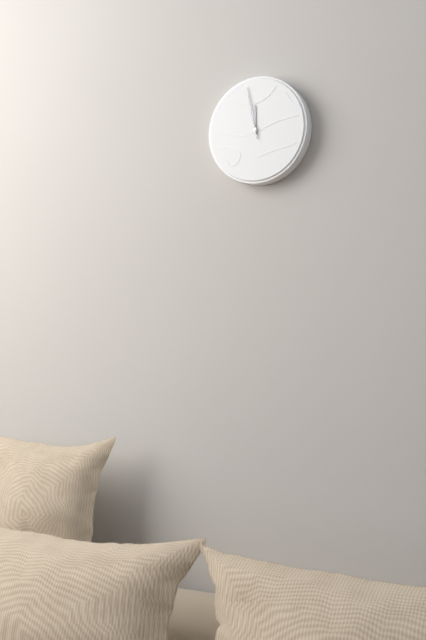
**11:58**
